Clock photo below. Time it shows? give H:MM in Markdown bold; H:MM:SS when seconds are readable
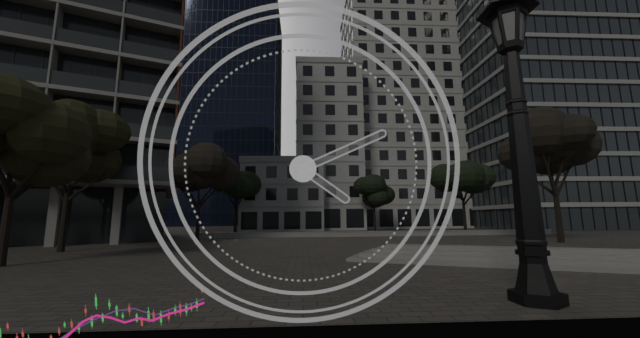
**4:11**
